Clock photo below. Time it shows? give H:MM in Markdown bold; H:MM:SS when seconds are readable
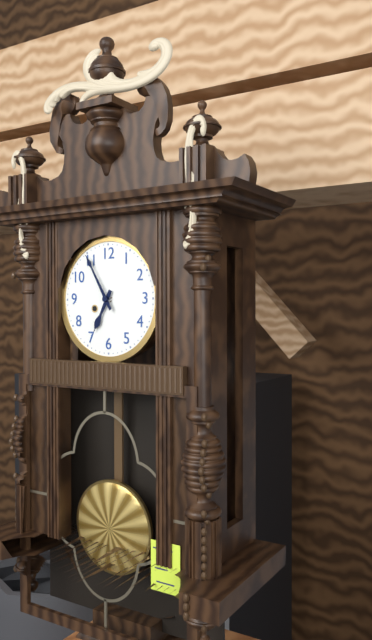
**6:55**
